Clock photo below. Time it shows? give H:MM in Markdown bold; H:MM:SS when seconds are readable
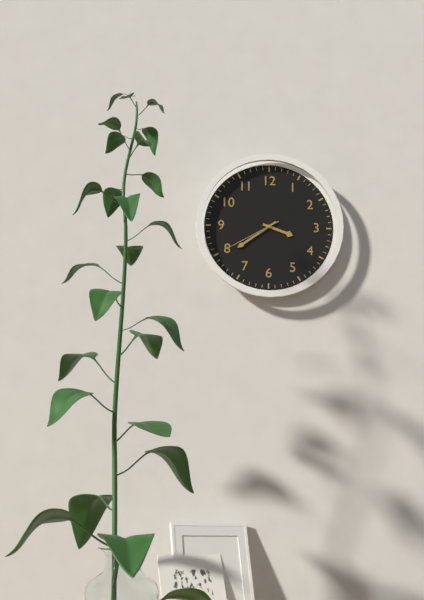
**3:39:40**
